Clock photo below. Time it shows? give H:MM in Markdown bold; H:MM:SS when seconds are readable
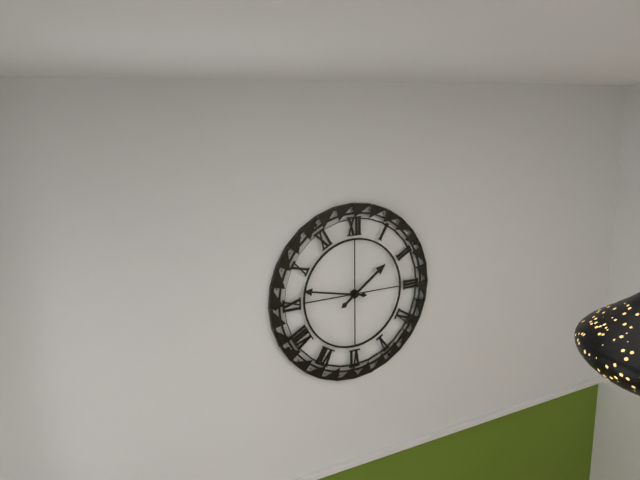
**1:47**
